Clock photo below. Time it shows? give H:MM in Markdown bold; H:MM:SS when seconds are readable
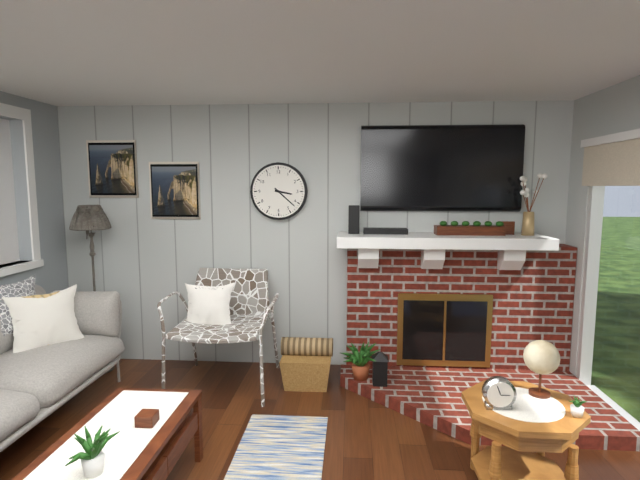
**3:22**
